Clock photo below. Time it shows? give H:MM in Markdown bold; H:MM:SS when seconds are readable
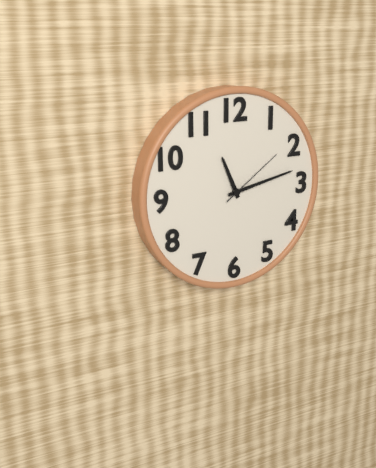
**11:13:09**
